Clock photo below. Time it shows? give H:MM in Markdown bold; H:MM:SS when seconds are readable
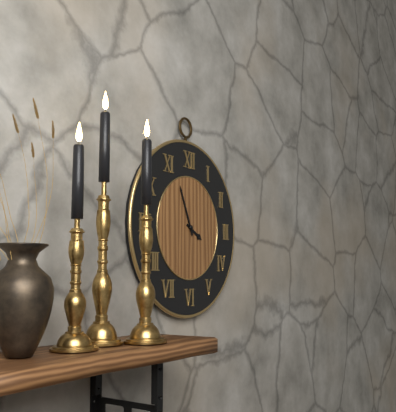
**3:56**
